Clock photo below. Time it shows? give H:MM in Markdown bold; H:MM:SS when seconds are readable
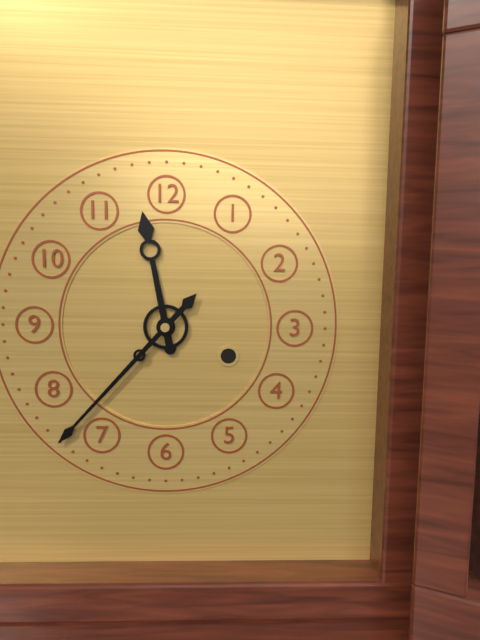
**11:37**
